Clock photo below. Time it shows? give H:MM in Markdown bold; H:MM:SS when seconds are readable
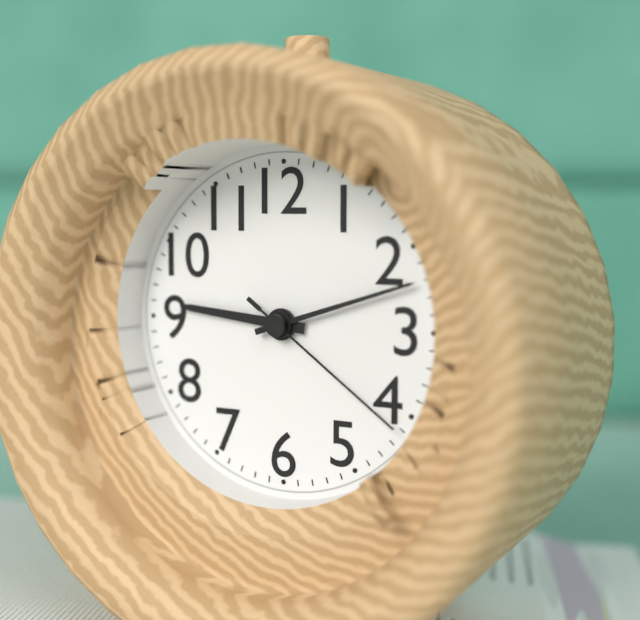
**9:12:21**
